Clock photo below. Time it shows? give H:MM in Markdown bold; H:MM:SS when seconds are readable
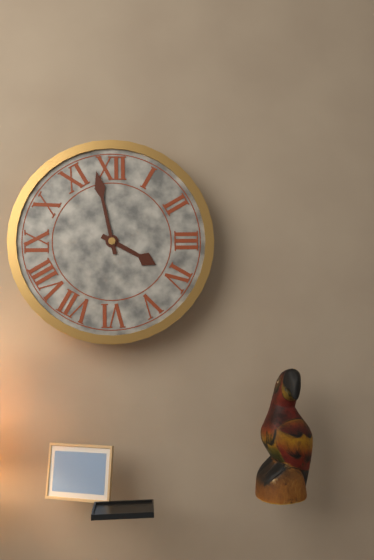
**3:58**
